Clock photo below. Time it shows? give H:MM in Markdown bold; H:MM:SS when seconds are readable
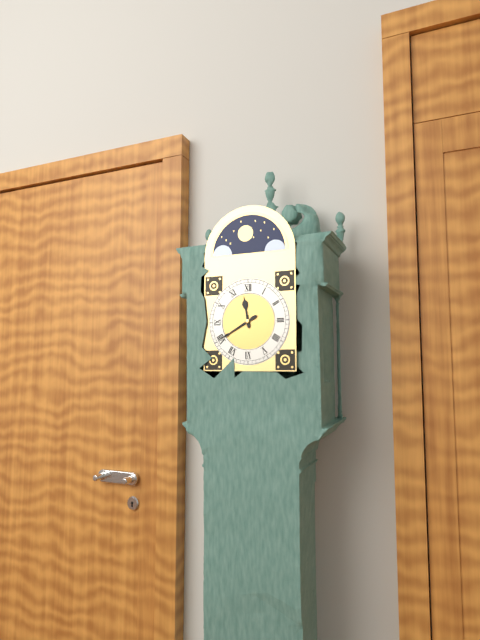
**11:40**
